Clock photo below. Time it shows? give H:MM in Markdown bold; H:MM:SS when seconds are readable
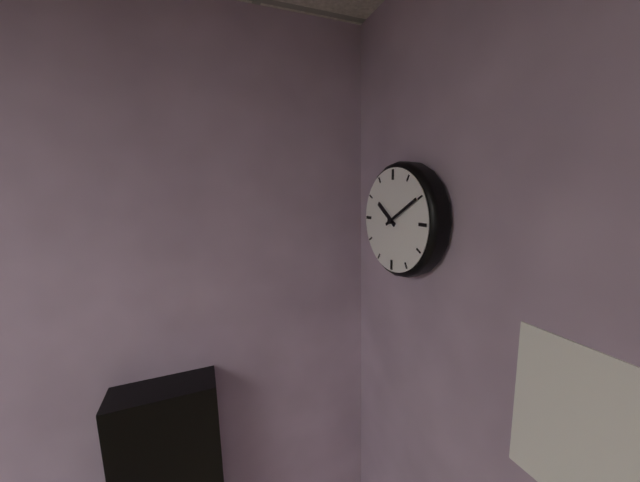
**10:10**
